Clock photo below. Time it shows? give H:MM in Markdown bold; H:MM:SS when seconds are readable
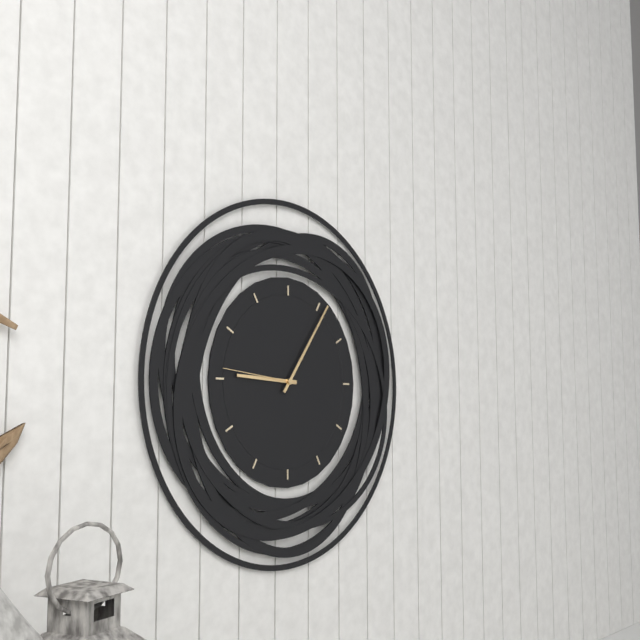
**9:06:46**
